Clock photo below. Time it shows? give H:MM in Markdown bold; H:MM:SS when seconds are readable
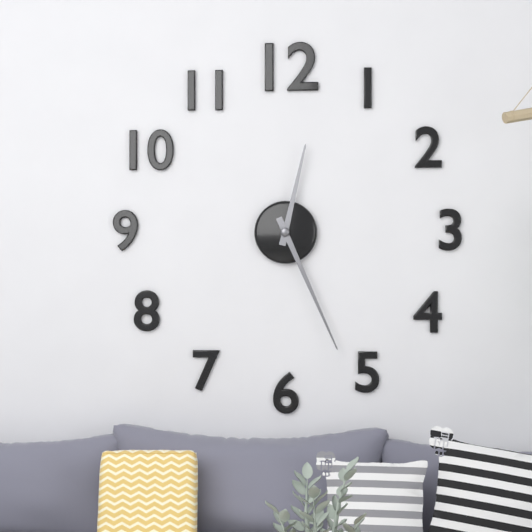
**12:26**
